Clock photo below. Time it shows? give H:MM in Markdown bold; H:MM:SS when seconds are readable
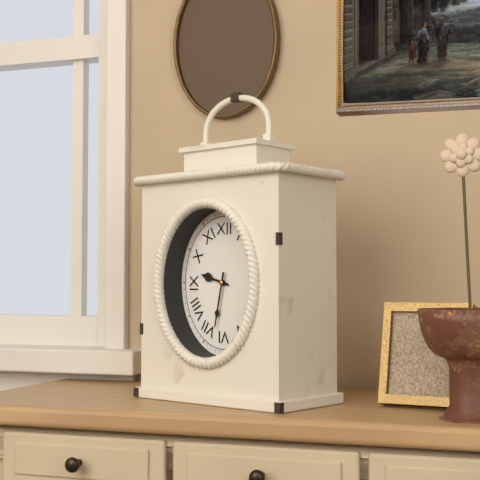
**9:32**
